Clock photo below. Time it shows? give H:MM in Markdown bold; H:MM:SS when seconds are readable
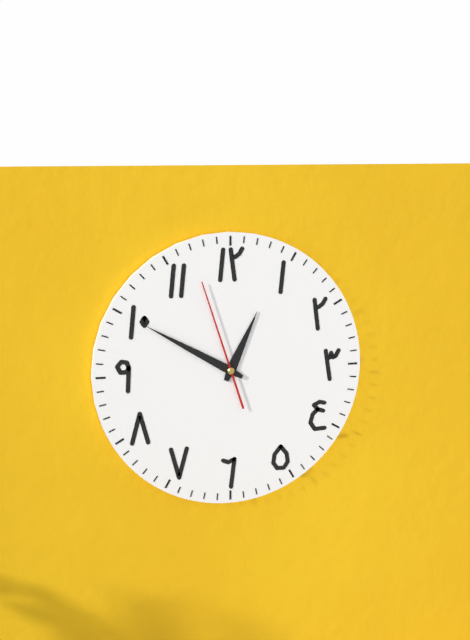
**12:50:57**
